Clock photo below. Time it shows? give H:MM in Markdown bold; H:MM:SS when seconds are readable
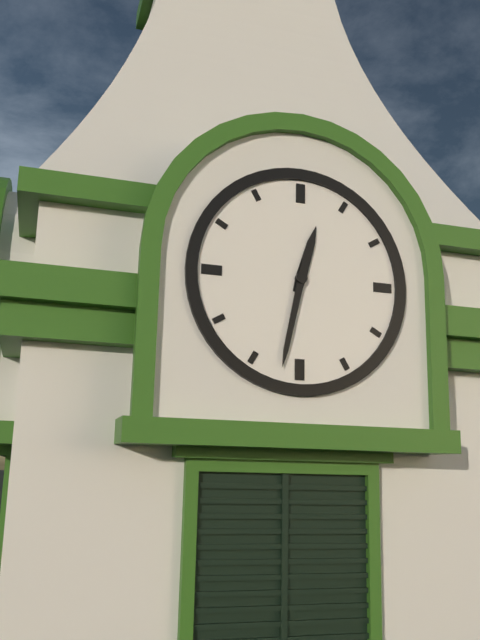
**12:32**
